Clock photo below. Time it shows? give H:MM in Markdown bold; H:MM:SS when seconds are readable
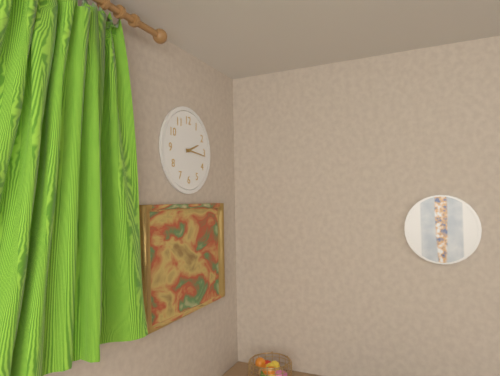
**2:16**
